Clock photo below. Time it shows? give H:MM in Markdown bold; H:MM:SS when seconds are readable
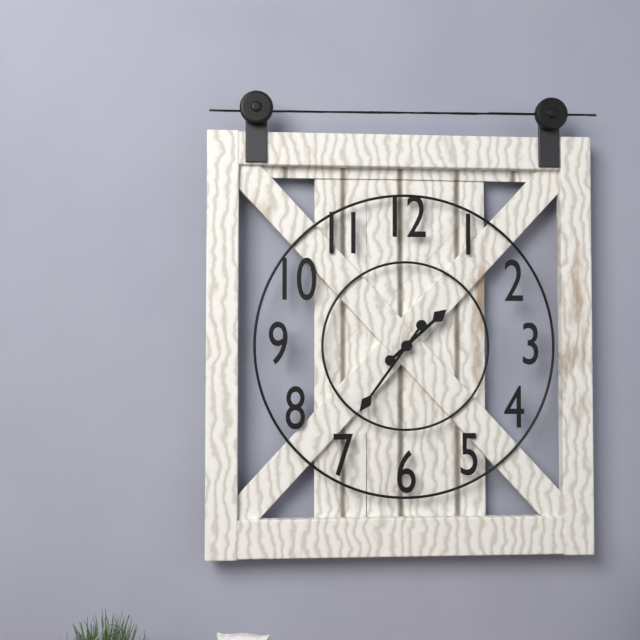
**1:36**
